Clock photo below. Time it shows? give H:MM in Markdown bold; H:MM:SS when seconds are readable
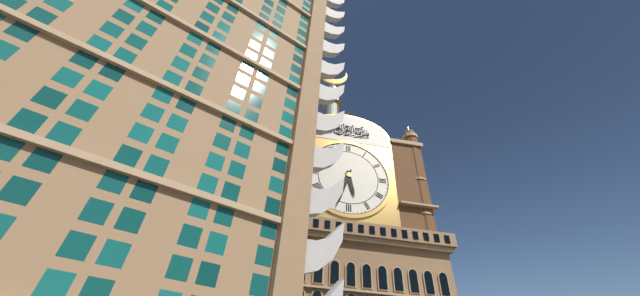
**5:33**
